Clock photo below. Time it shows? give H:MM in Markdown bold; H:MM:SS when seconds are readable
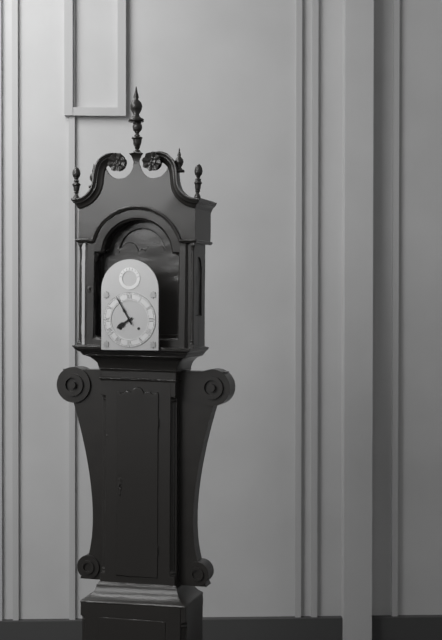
**7:55**
